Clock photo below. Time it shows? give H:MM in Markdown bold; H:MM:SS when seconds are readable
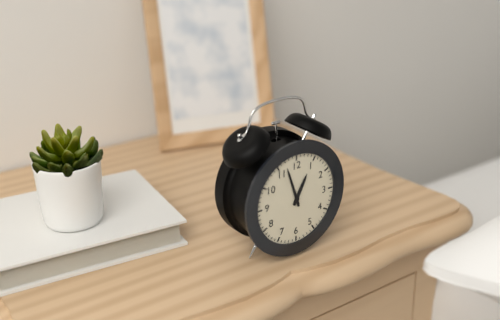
**12:57**
